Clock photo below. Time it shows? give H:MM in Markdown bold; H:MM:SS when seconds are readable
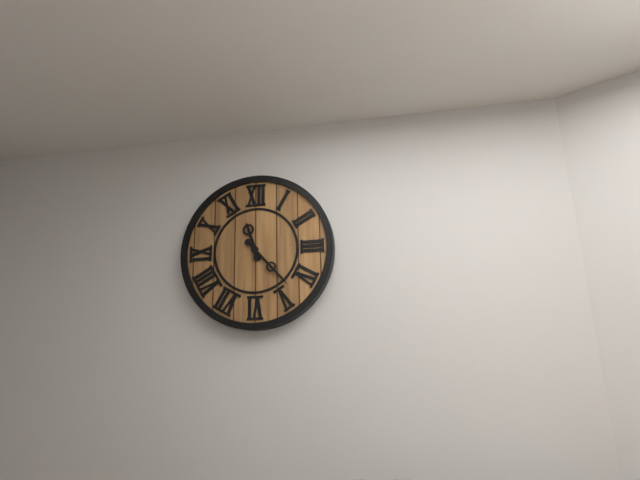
**11:23**
